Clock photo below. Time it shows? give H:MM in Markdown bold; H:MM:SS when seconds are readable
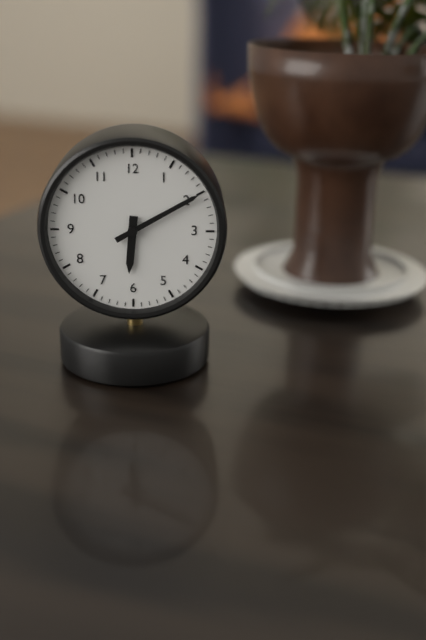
**6:10**
